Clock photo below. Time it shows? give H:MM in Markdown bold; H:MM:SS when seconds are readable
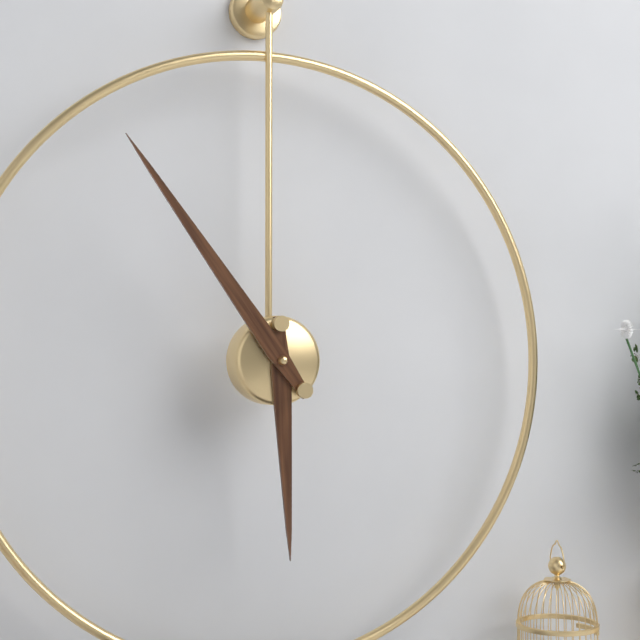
**5:54**
